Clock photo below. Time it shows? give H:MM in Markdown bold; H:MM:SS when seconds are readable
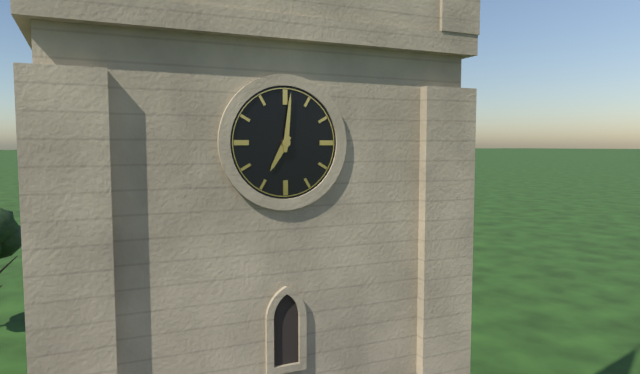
**7:01**
